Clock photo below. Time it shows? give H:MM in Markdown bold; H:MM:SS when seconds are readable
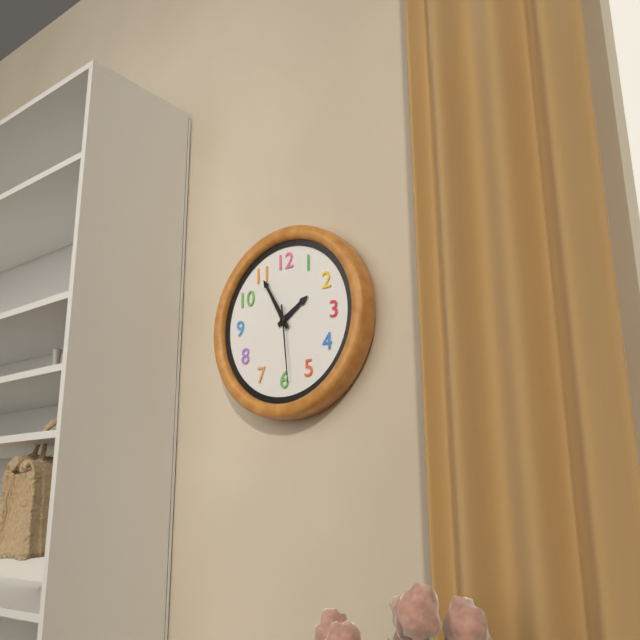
**1:55:29**
